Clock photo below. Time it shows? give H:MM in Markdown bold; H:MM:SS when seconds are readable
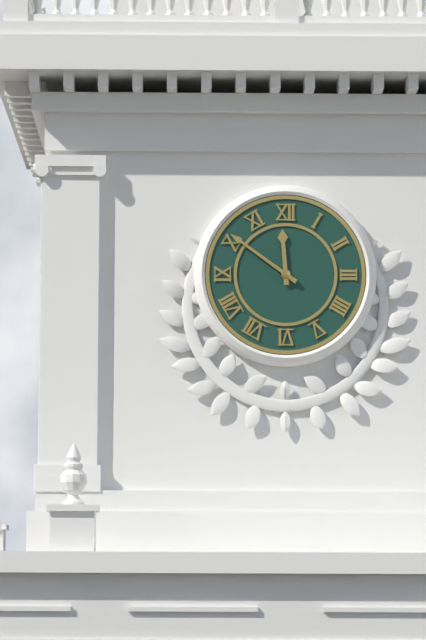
**11:51**
